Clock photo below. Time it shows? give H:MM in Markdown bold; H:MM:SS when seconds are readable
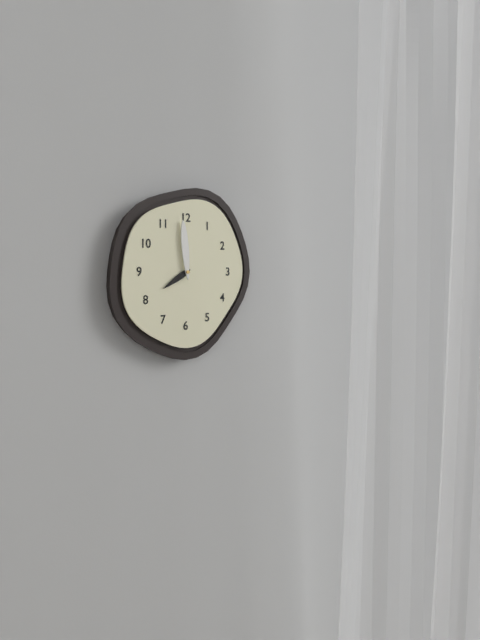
**7:59**
